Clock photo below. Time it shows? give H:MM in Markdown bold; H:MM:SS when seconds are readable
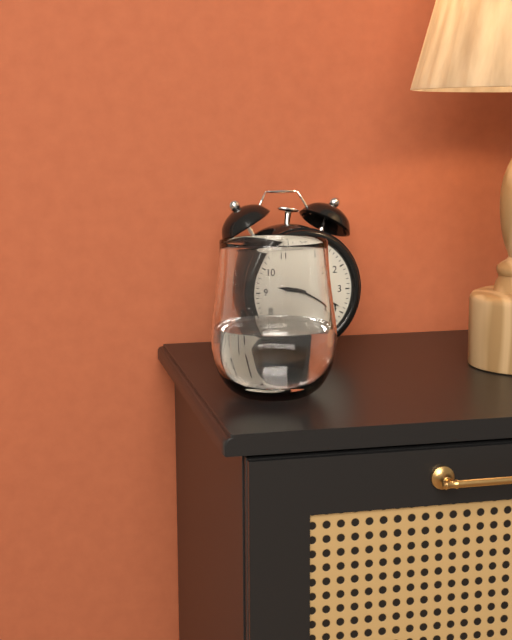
**9:19**
